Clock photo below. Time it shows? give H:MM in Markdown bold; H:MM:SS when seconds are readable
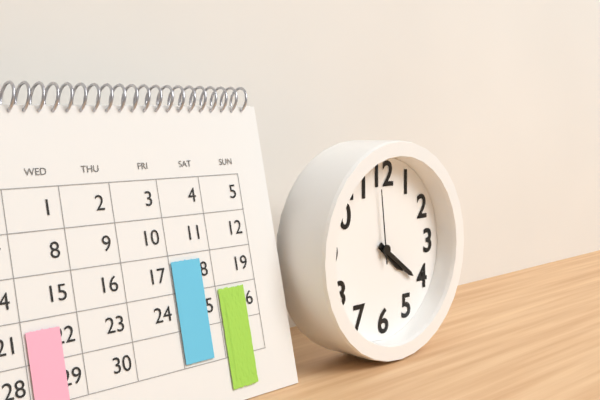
**4:21:59**
